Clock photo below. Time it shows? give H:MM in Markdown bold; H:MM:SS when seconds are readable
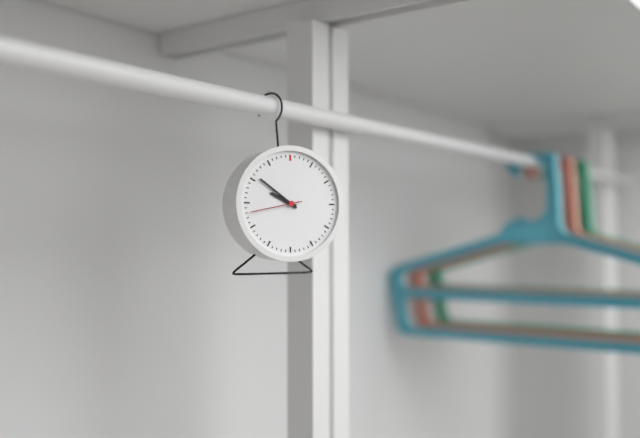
**9:51:43**
